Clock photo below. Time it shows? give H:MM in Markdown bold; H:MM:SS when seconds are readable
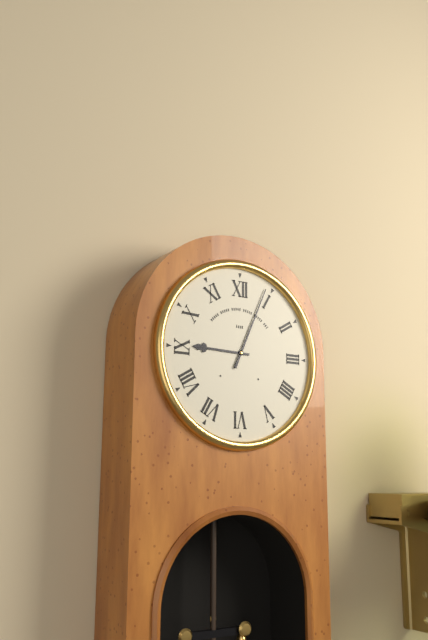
**9:04**
